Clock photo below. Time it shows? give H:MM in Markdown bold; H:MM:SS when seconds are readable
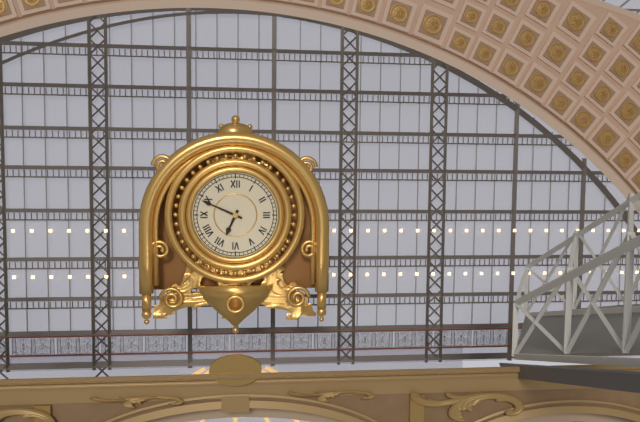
**6:49**
